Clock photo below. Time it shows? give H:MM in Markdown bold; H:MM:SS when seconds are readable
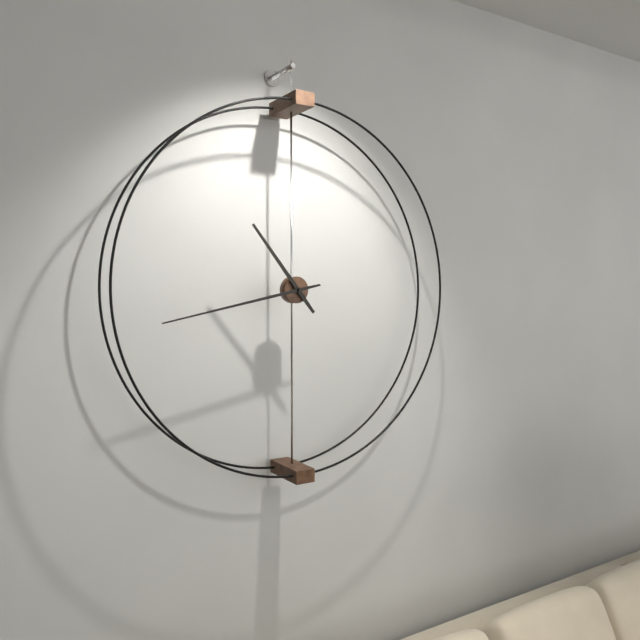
**10:43**
